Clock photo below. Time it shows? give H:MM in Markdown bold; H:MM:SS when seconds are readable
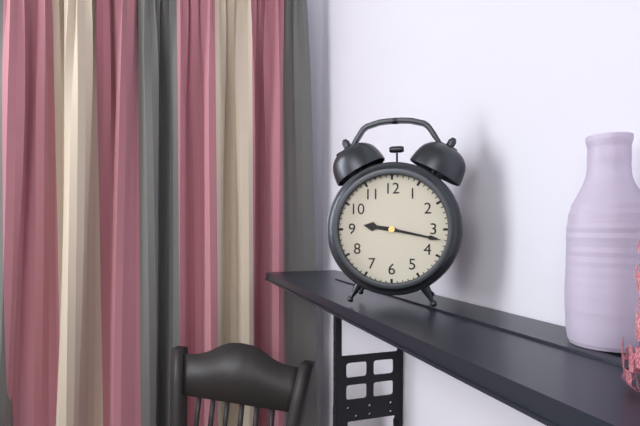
**9:17**
